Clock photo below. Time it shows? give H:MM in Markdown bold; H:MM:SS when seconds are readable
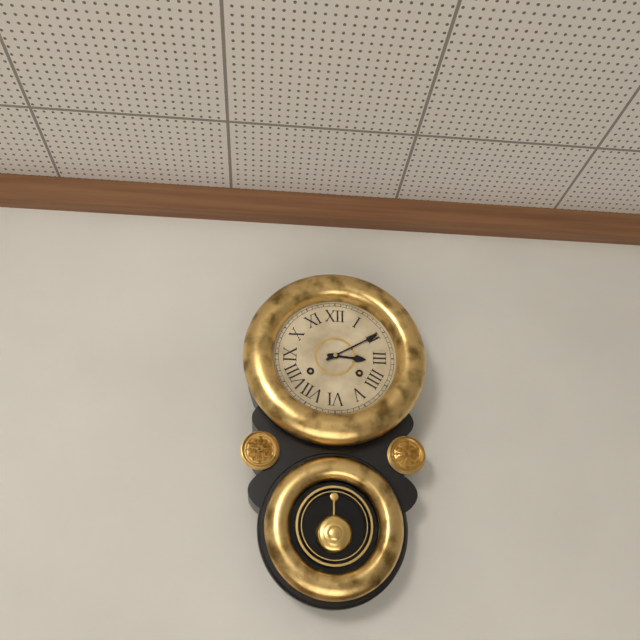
**3:10**
